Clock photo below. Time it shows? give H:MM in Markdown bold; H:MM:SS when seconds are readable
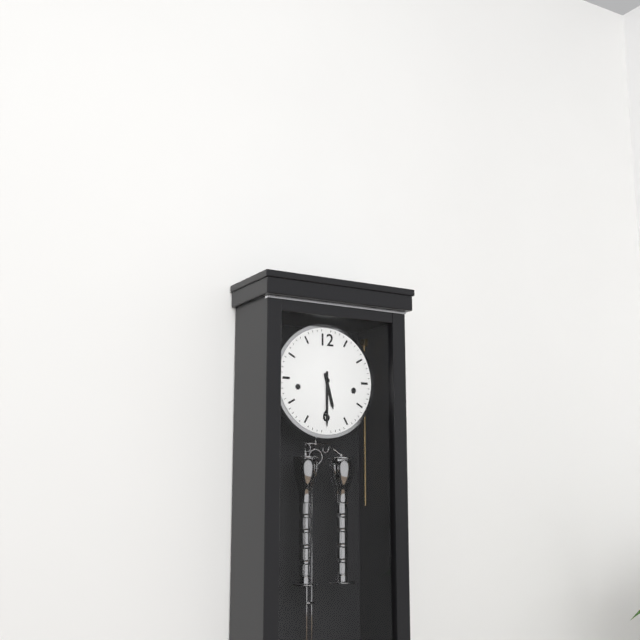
**5:30**
